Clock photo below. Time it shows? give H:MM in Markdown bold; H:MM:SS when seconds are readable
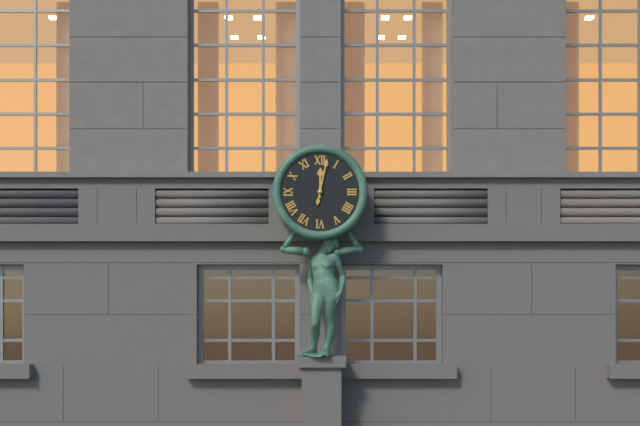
**12:02**
